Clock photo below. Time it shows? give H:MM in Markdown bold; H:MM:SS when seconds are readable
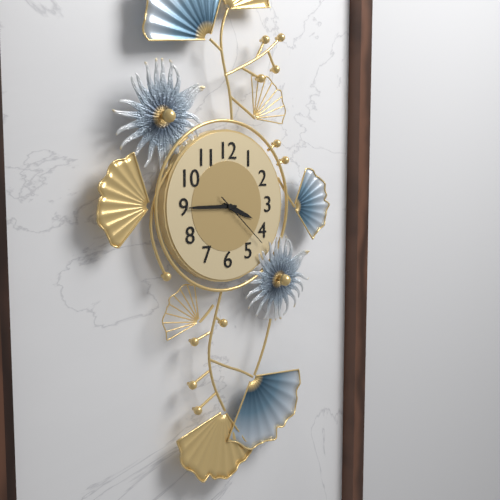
**3:45:22**
